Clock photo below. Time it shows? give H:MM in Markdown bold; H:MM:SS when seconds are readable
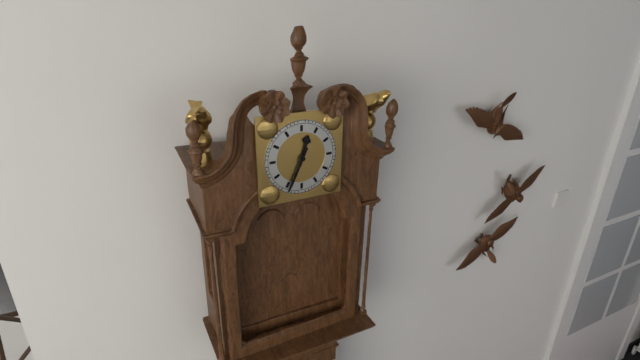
**12:34**
